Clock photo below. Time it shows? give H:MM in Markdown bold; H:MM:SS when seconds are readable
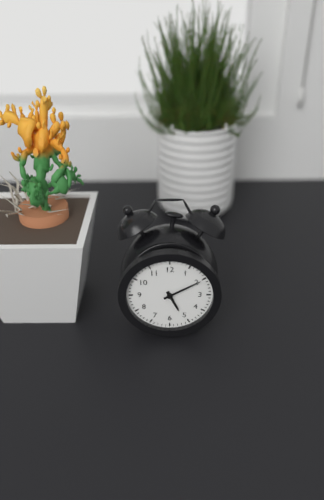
**5:10**
